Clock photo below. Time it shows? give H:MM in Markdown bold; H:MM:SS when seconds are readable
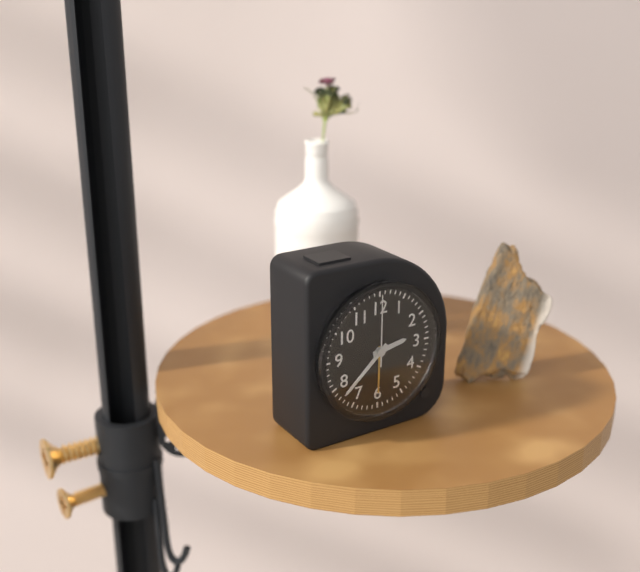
**2:38:00**
